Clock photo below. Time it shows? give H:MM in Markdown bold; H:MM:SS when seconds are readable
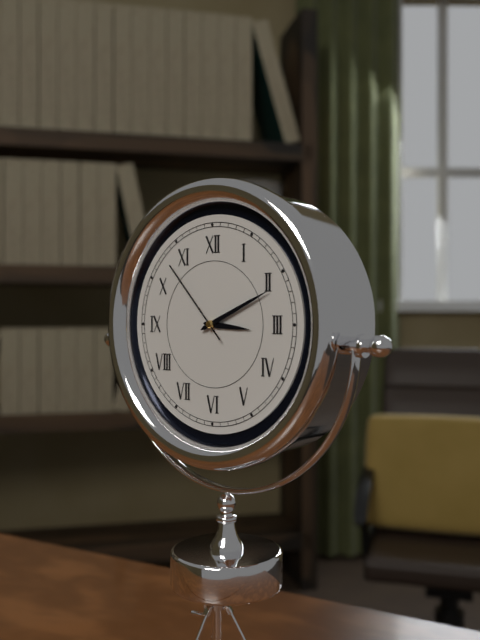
**3:11:53**
